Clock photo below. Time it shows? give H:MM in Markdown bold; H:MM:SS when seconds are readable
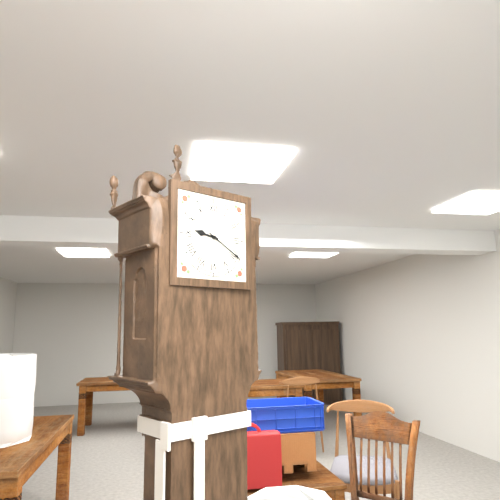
**9:20**
